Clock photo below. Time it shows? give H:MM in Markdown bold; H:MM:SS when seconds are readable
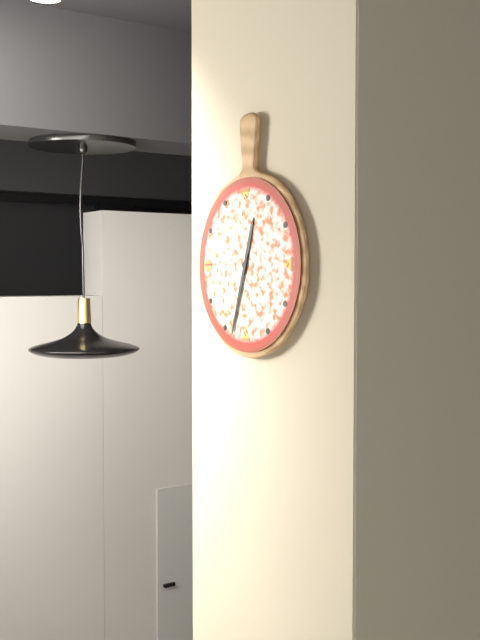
**12:33**
